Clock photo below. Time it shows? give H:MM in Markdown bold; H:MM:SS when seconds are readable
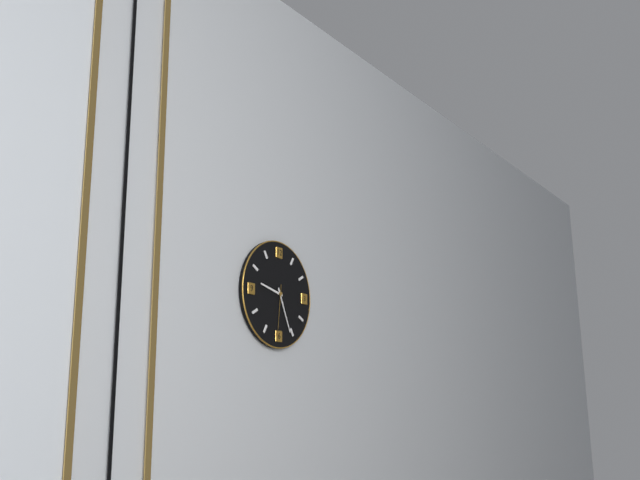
**9:26:31**
